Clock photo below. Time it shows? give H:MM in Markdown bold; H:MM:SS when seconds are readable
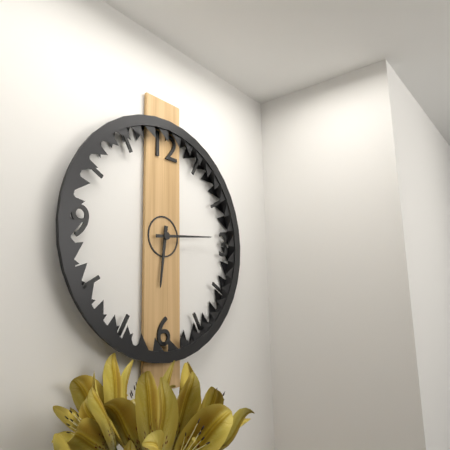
**6:14**
